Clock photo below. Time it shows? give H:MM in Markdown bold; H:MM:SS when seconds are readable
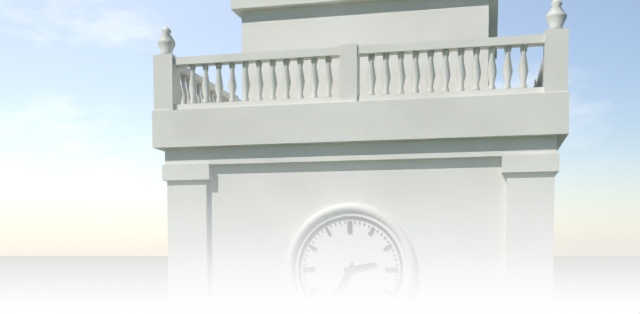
**2:35**
